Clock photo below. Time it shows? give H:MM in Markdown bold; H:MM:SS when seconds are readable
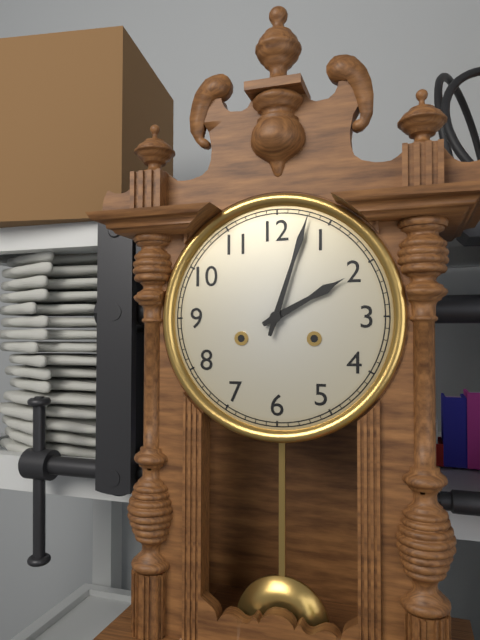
**2:03**
